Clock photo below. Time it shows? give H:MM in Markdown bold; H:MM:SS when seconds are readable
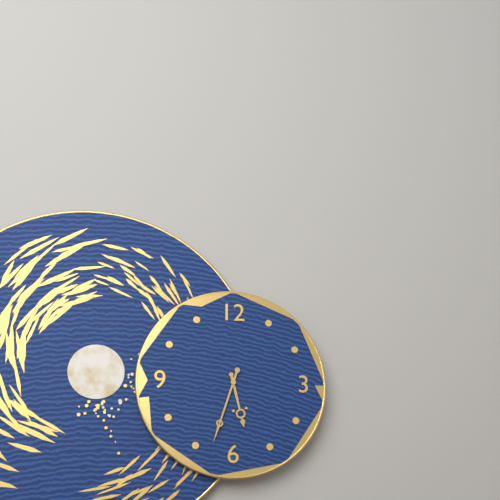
**5:33**
